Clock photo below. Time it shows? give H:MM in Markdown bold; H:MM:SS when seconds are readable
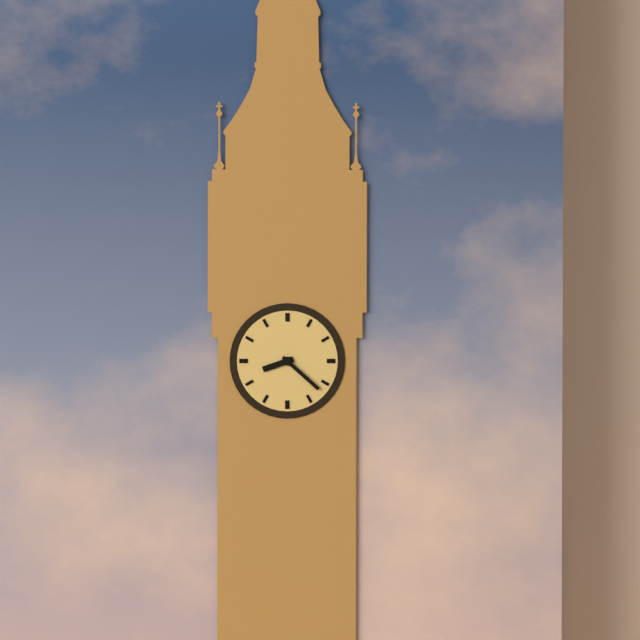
**8:22**
